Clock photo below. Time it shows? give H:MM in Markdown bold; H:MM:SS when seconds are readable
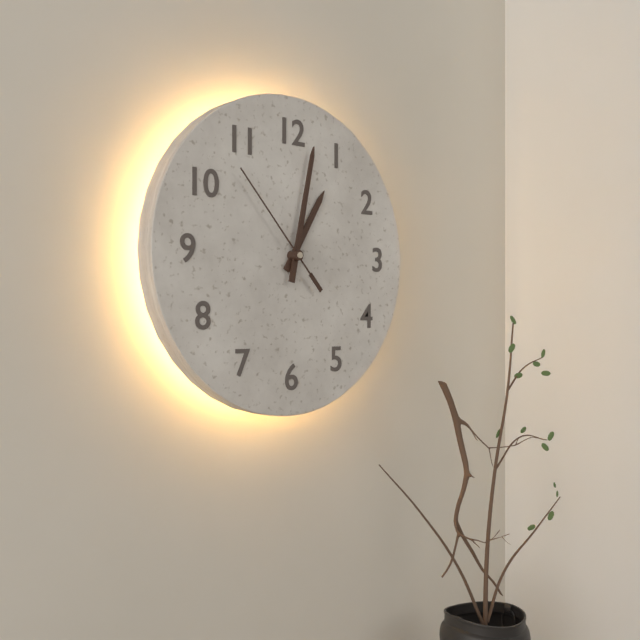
**1:02:53**
